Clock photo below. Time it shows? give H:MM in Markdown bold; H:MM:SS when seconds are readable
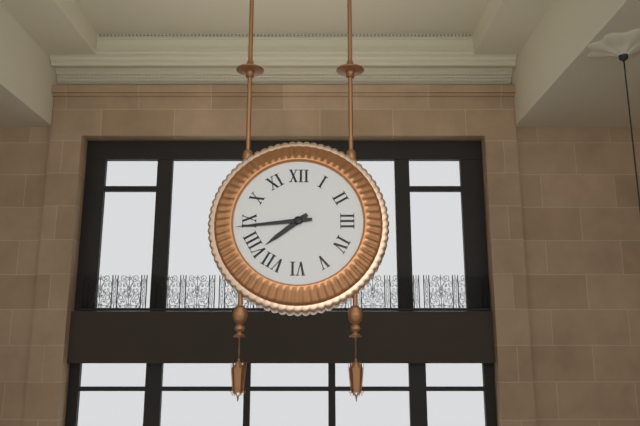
**7:44**
